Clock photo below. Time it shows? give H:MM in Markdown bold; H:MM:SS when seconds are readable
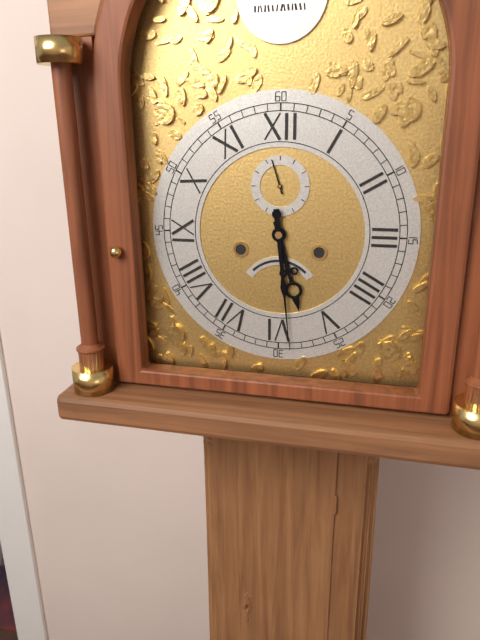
**5:29**
